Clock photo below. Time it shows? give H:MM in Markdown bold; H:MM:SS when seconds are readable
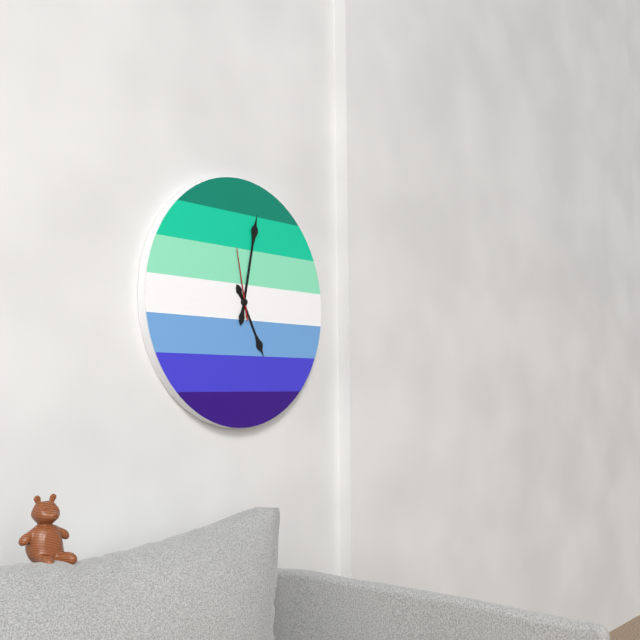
**5:02:58**
